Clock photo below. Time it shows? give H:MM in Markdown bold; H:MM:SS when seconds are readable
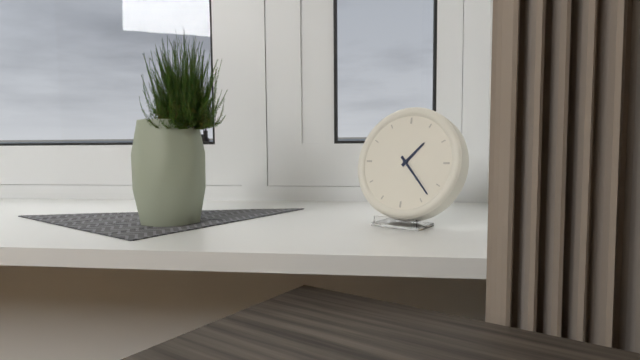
**1:23**
